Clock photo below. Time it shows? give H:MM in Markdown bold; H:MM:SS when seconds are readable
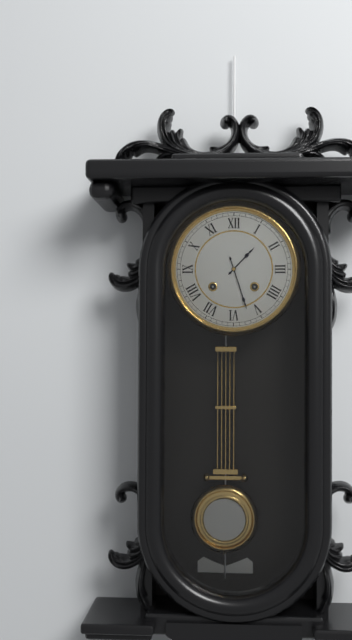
**1:27**
